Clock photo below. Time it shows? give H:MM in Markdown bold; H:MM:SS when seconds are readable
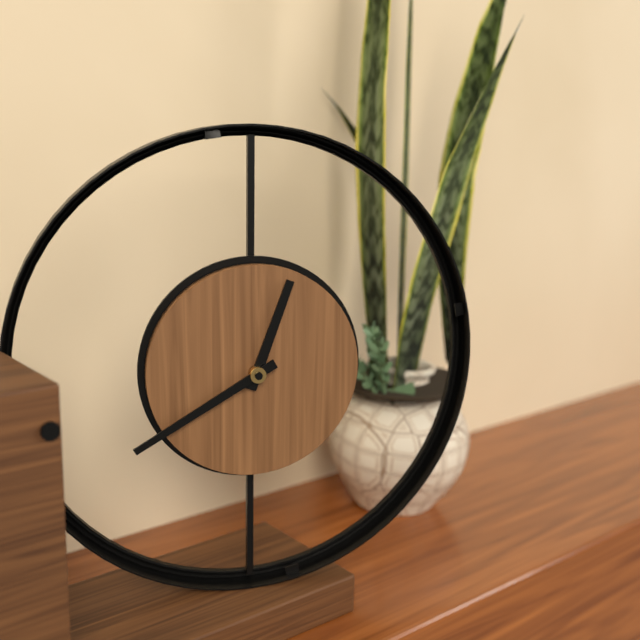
**12:40**
